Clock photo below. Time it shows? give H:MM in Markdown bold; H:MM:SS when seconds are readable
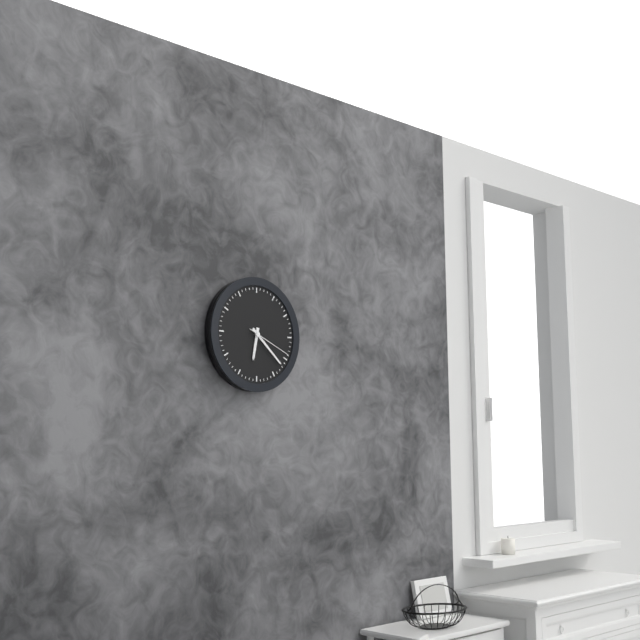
**6:22:19**
